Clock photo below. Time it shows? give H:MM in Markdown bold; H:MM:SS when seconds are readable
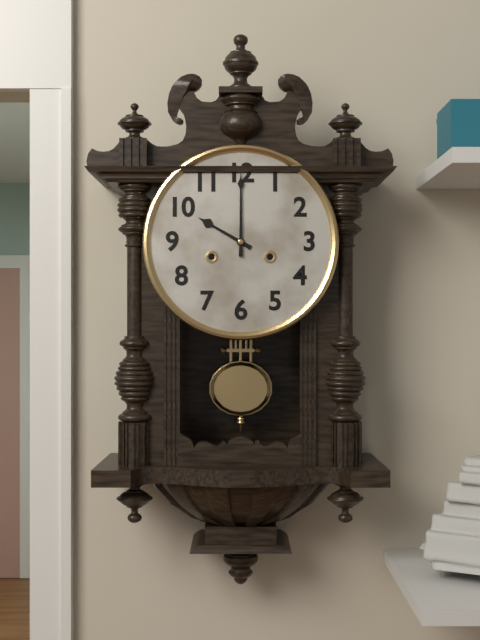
**10:00**
